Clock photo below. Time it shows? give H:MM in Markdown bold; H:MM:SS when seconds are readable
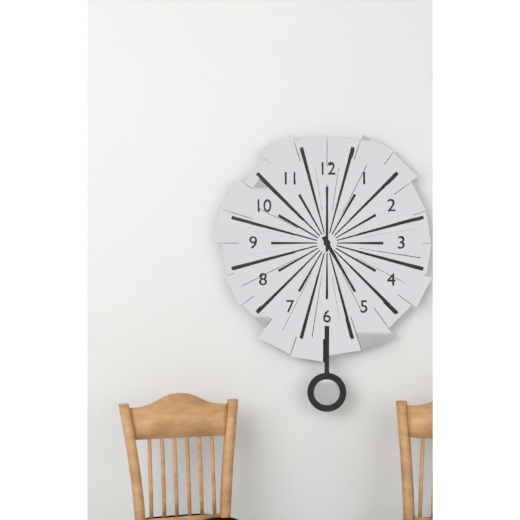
**5:00**
